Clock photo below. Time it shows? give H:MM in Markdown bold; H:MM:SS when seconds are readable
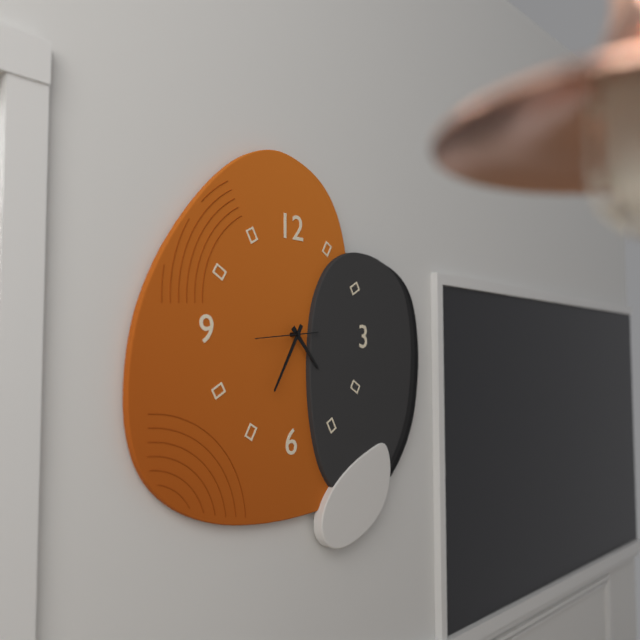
**4:35:44**
